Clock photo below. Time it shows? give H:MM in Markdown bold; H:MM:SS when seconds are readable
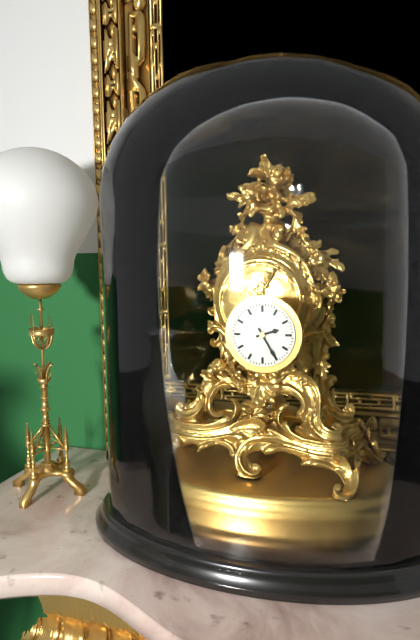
**2:25**
